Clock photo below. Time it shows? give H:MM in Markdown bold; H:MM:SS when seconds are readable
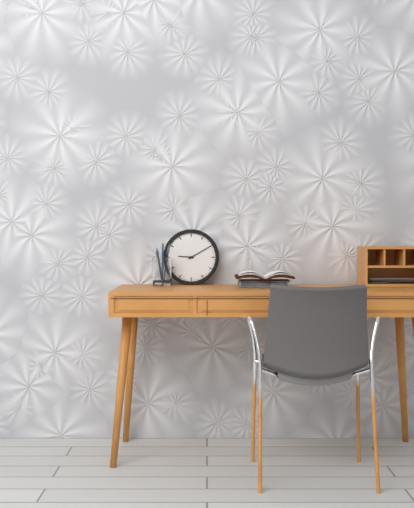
**9:10**
